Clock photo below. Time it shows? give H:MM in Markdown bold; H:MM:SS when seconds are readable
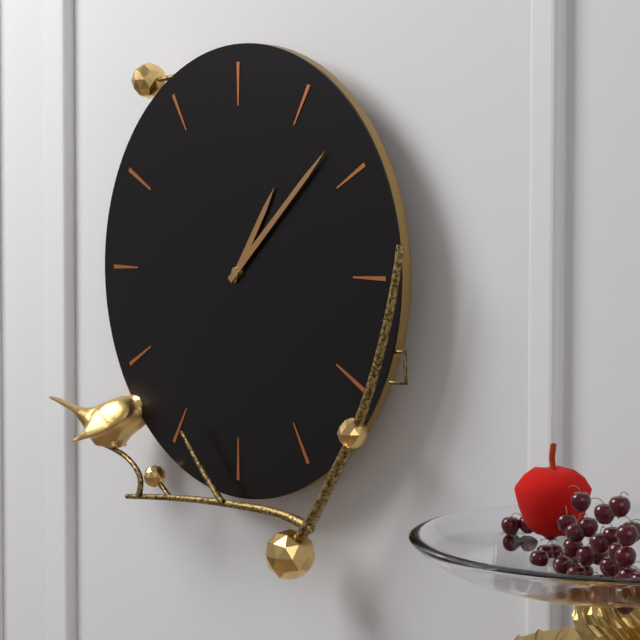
**1:08**
